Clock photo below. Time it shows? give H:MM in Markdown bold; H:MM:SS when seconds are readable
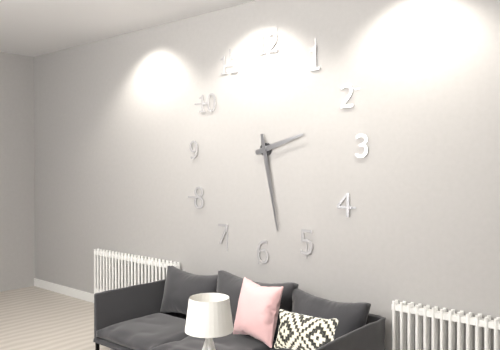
**2:28**
